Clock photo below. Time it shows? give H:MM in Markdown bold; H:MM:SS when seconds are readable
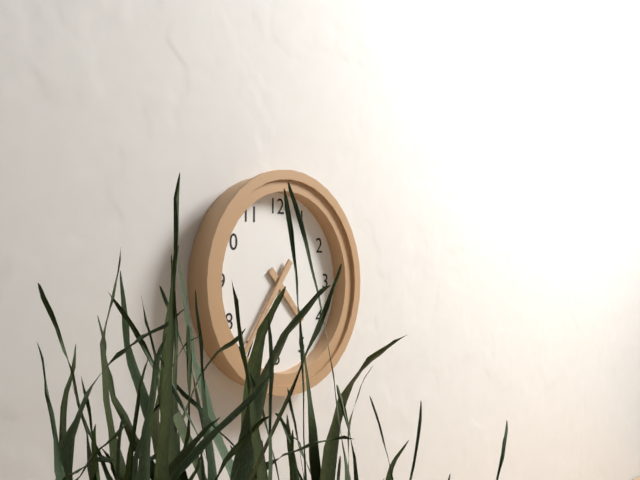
**4:36**
